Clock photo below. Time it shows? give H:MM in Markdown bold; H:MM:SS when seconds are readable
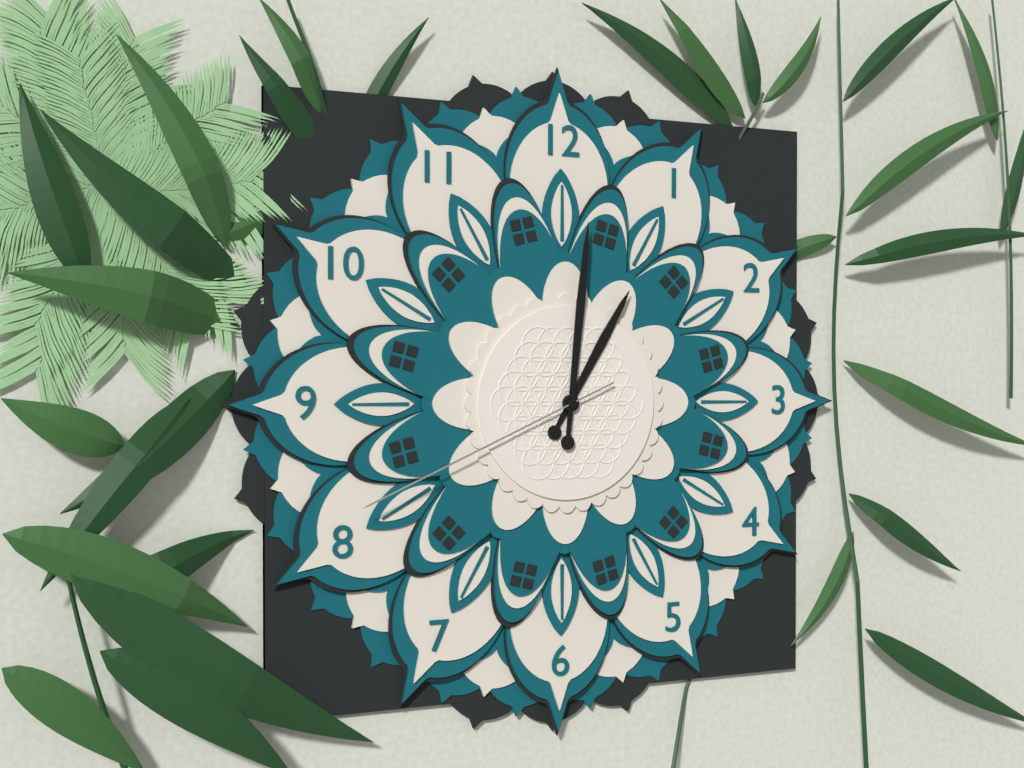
**1:01:41**
